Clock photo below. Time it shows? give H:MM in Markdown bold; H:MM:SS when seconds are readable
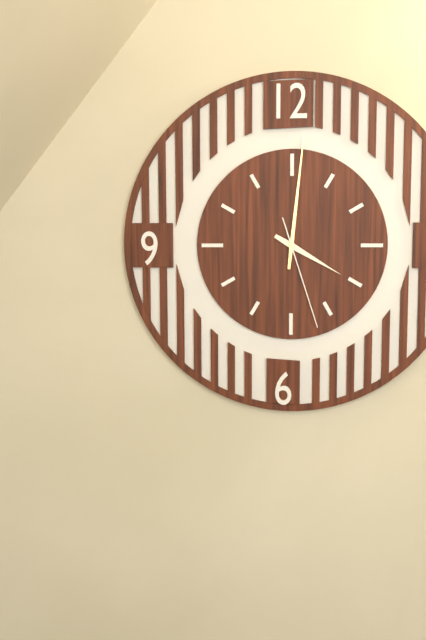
**4:01:27**
